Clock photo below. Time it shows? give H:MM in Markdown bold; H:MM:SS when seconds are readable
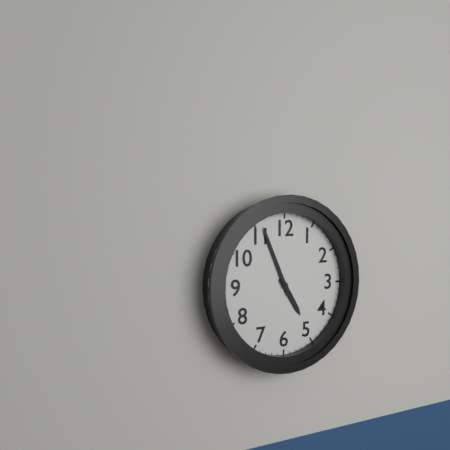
**4:56**
